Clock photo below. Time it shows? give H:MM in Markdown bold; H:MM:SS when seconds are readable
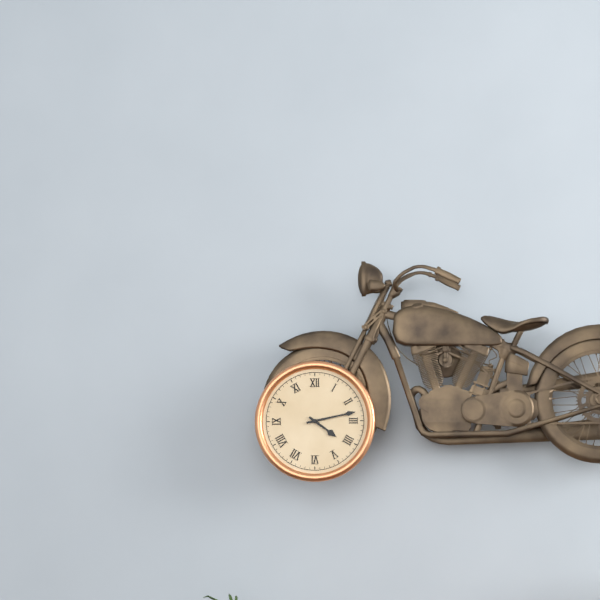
**4:13**
